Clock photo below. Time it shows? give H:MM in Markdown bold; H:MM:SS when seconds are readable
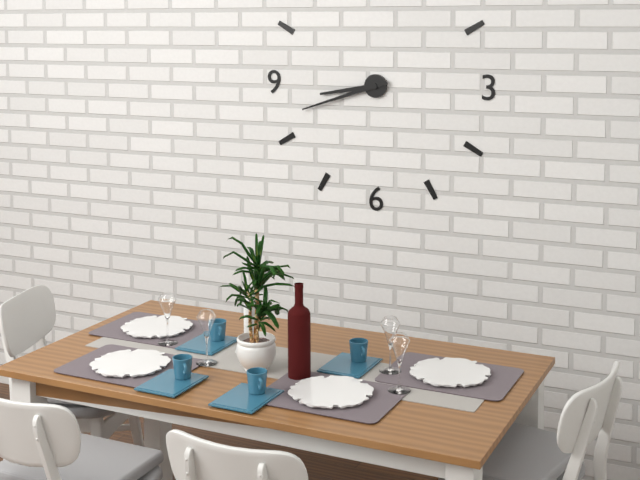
**8:42**
